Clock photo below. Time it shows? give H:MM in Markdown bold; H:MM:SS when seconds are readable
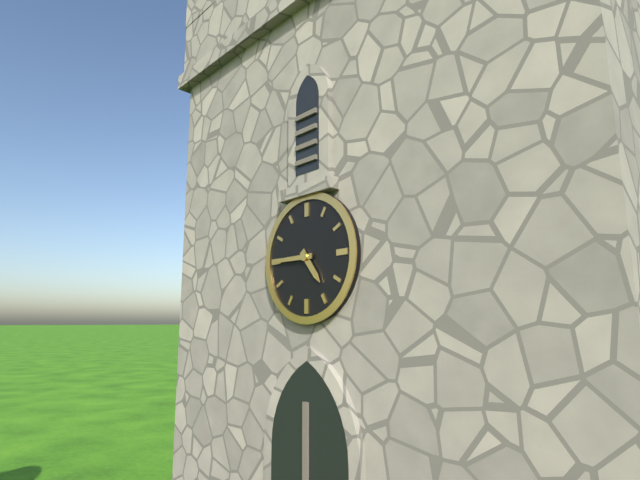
**4:45**
